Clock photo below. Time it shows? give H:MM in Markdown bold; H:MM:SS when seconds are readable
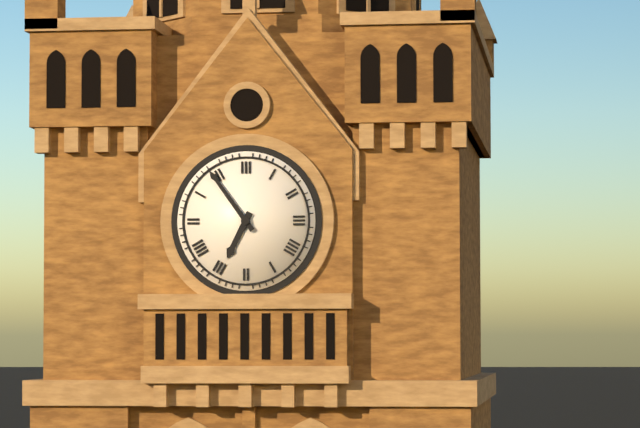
**6:54**
